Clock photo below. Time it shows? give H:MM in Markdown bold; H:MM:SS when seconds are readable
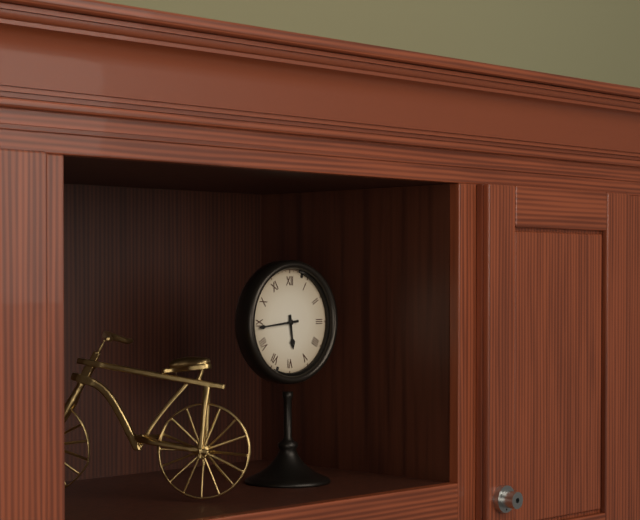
**5:44**
